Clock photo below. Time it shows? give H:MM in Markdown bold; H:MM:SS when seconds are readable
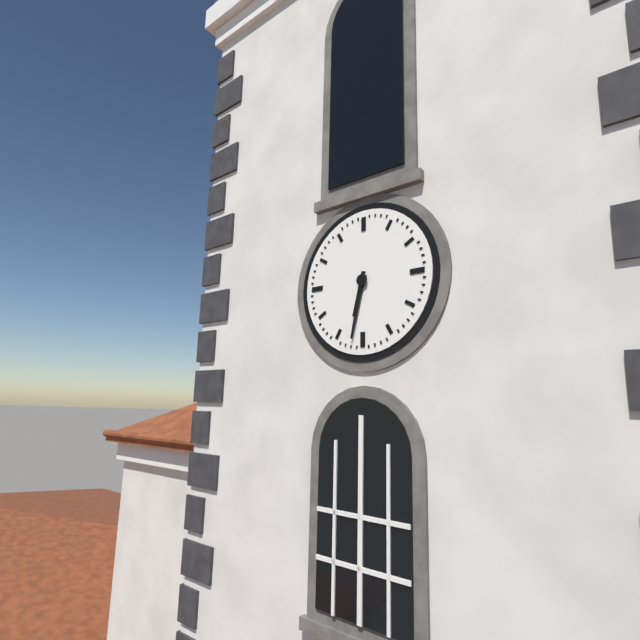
**6:32**
